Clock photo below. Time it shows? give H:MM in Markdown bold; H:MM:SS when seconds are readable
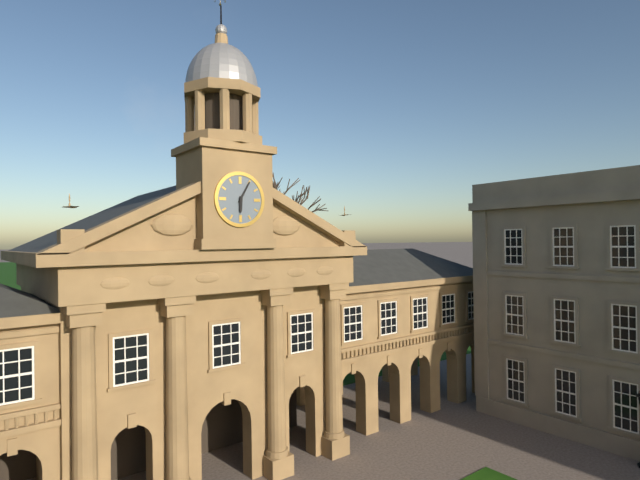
**6:05**
